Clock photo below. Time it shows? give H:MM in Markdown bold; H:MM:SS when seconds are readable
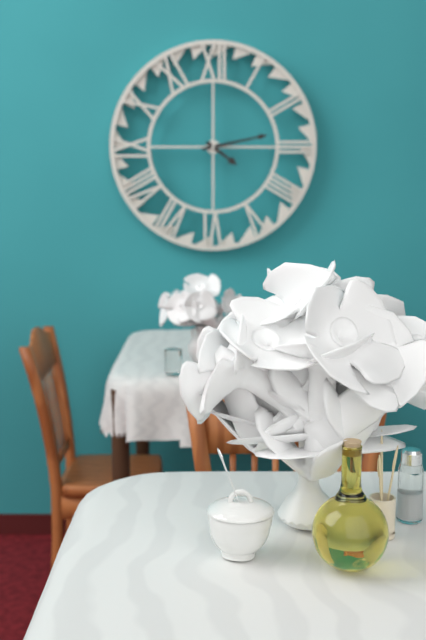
**4:13**
